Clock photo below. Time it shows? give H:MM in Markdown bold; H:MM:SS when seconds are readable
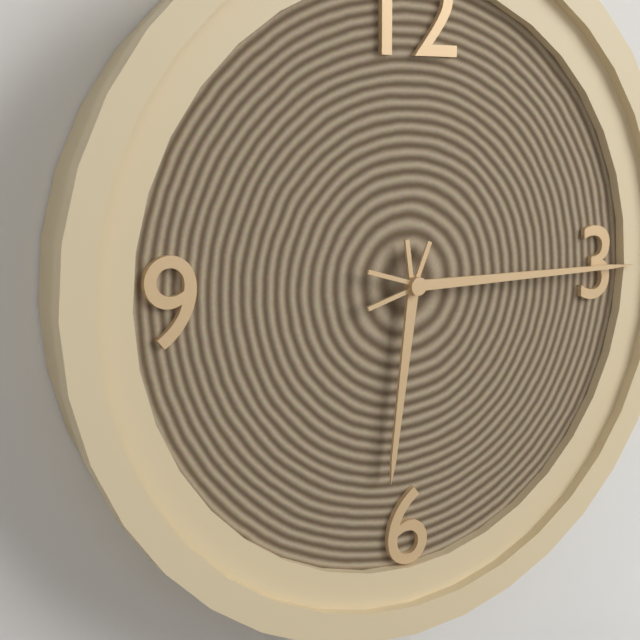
**6:15**
